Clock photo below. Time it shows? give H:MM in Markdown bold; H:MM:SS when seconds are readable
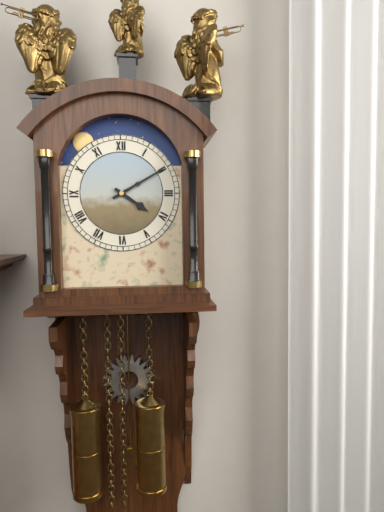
**4:10**
